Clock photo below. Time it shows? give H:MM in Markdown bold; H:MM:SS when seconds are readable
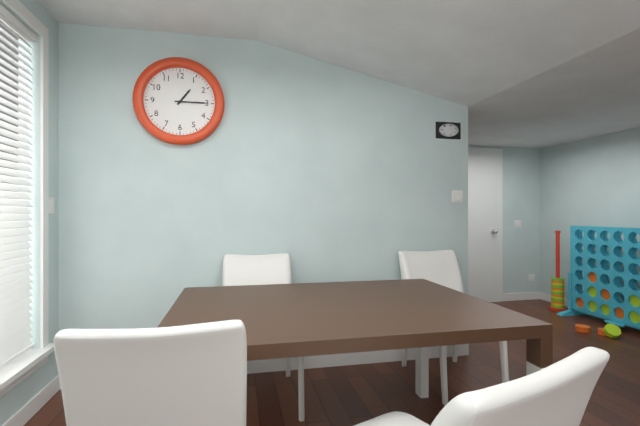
**1:15**
